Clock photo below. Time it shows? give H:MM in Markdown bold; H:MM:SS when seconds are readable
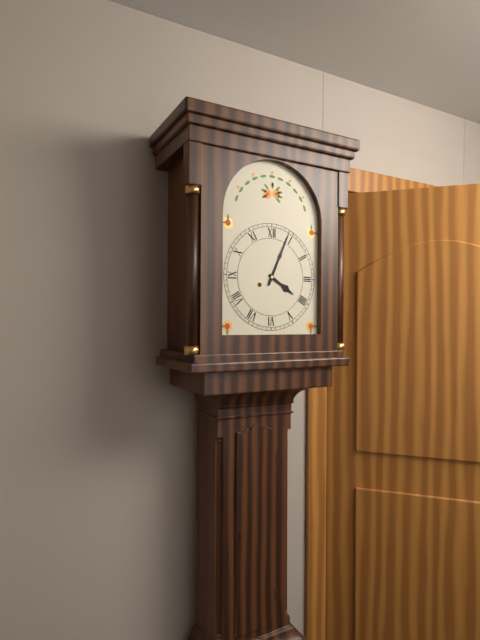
**4:04**
